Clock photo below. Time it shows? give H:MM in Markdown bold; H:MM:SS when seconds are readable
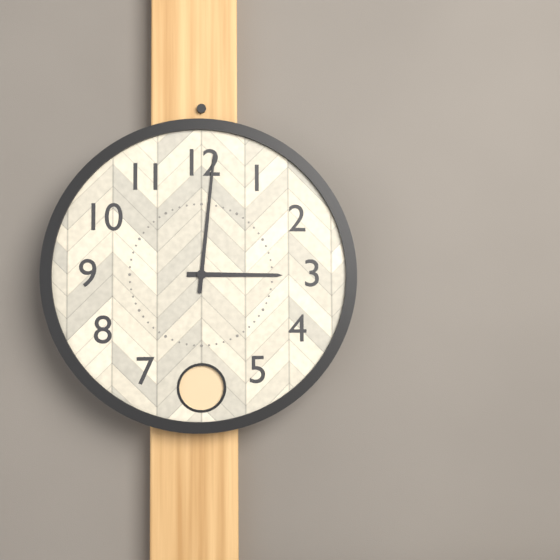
**3:01**
